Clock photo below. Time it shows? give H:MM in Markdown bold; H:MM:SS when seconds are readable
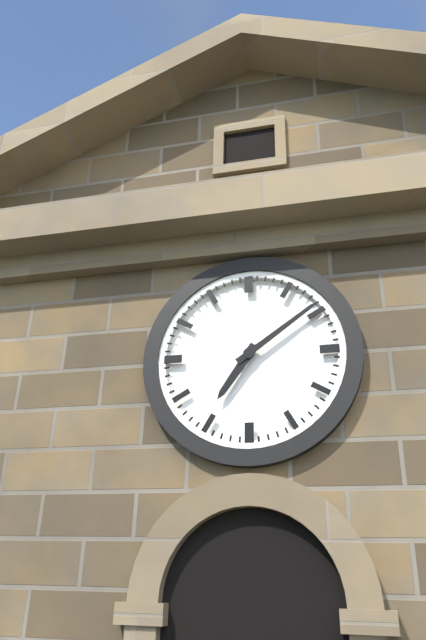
**7:09**
